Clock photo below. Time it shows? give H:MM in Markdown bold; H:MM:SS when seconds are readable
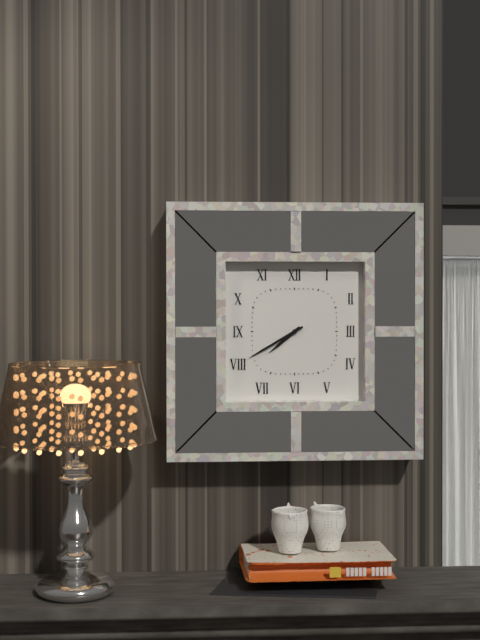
**7:40**
